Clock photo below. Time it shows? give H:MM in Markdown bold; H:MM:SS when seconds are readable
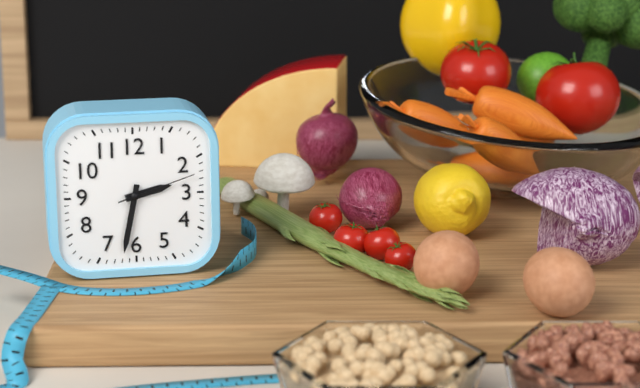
**2:32:12**
